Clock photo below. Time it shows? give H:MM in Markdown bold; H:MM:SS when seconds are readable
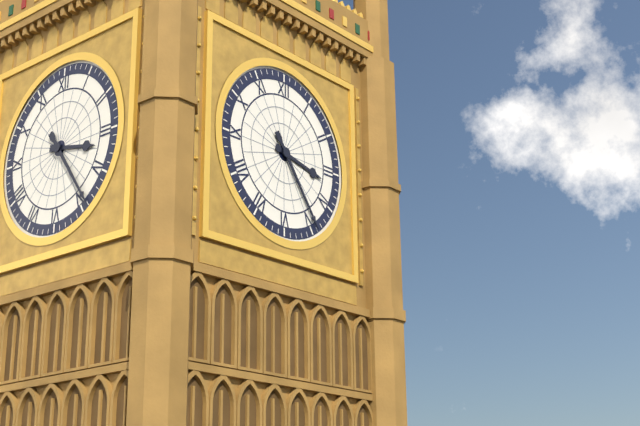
**3:24**
